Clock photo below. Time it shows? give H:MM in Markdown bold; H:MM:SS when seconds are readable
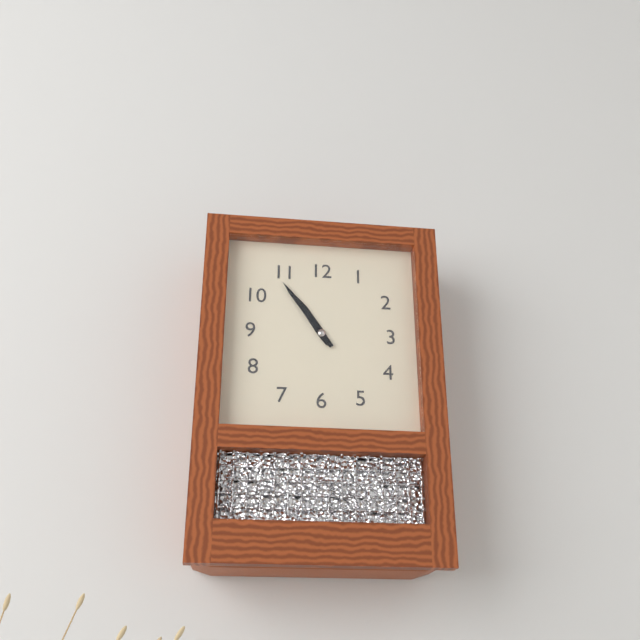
**10:54**
